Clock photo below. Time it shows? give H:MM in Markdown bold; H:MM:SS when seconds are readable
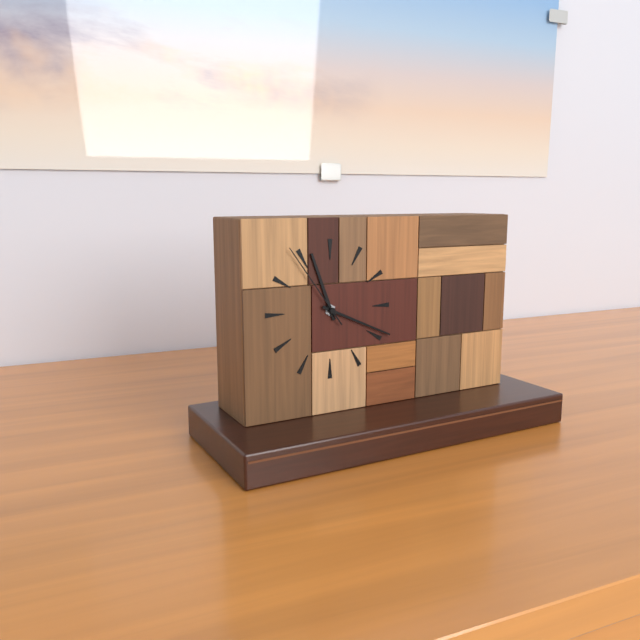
**11:19:54**
